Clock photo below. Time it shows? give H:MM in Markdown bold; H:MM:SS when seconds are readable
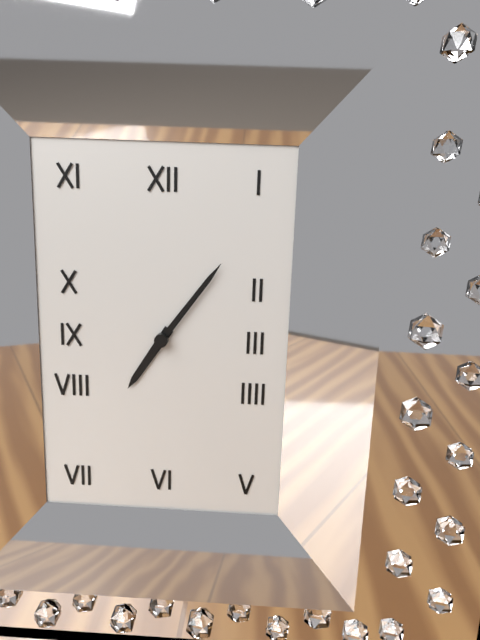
**7:06**
